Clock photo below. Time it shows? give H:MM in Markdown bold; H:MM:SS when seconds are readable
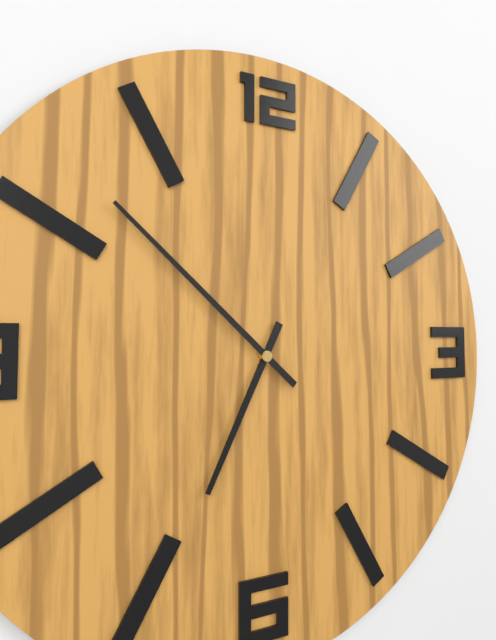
**6:52**
